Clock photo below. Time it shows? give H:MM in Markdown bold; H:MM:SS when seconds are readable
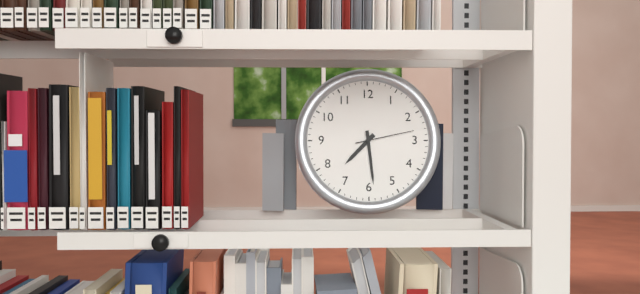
**7:29:13**
